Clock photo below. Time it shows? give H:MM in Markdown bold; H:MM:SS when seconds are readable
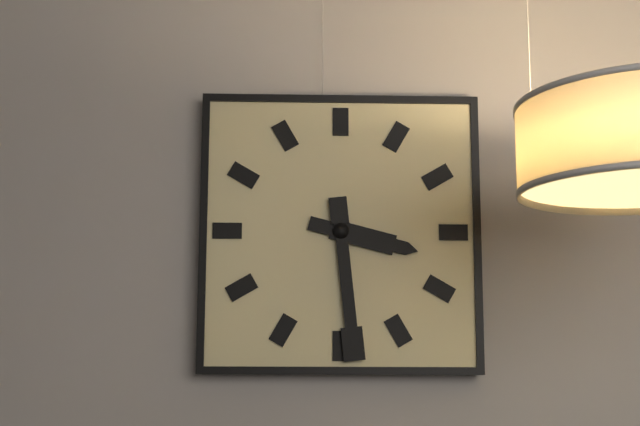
**3:29**
